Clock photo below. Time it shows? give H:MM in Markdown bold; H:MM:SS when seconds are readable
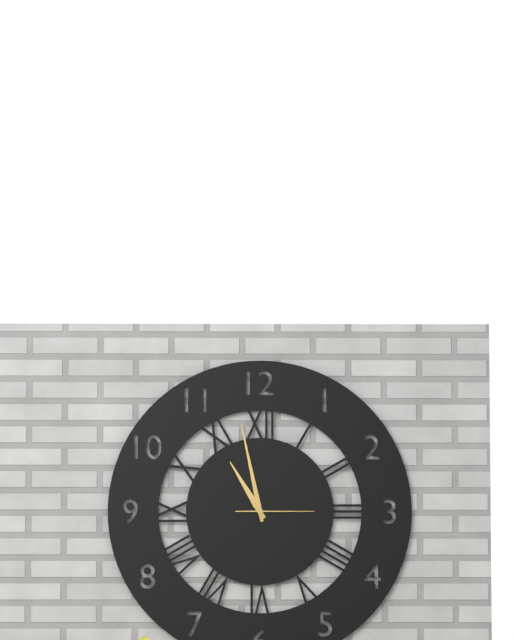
**10:58:15**
